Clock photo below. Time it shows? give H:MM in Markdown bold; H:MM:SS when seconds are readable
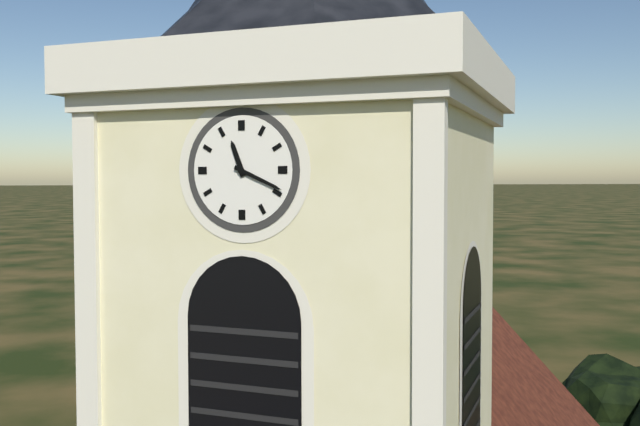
**11:19**
